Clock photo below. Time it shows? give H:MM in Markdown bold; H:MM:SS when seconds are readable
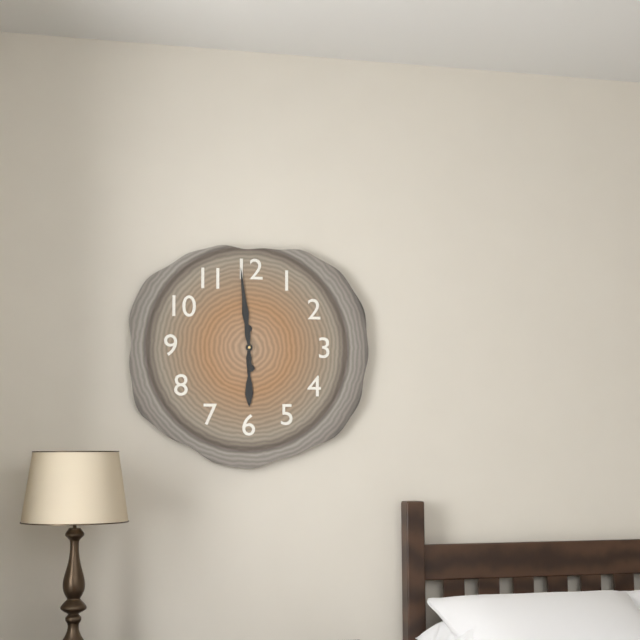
**5:59**
